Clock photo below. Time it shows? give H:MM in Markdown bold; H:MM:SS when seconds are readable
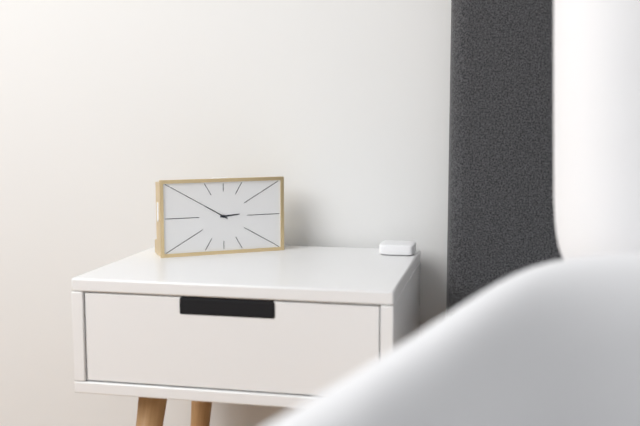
**2:50**
